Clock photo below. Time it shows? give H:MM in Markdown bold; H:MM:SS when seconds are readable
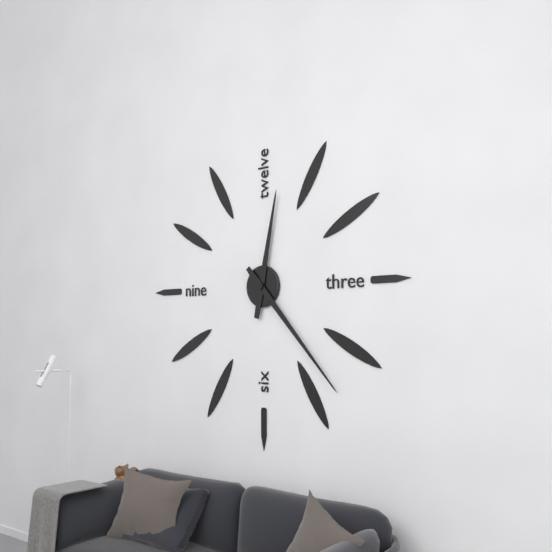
**12:23**
